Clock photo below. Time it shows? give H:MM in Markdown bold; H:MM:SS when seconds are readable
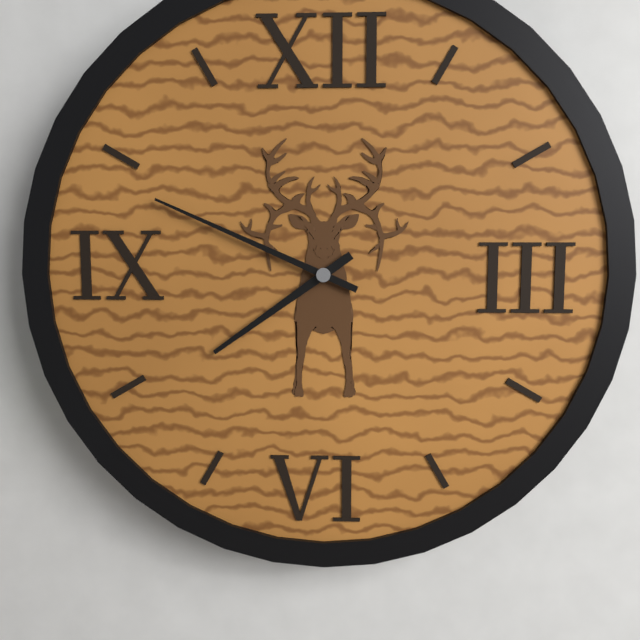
**7:49**
